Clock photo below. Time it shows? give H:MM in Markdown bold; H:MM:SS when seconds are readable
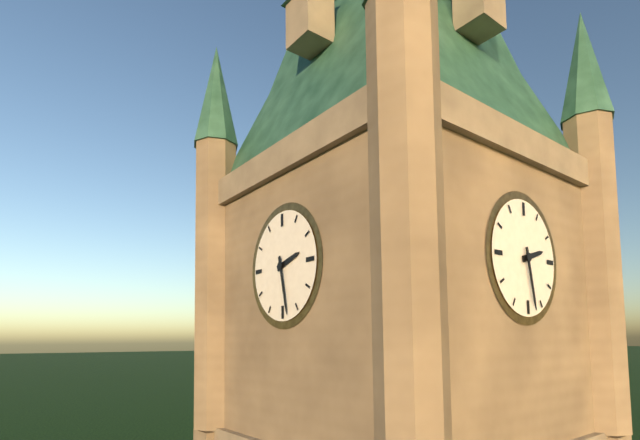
**2:28**
